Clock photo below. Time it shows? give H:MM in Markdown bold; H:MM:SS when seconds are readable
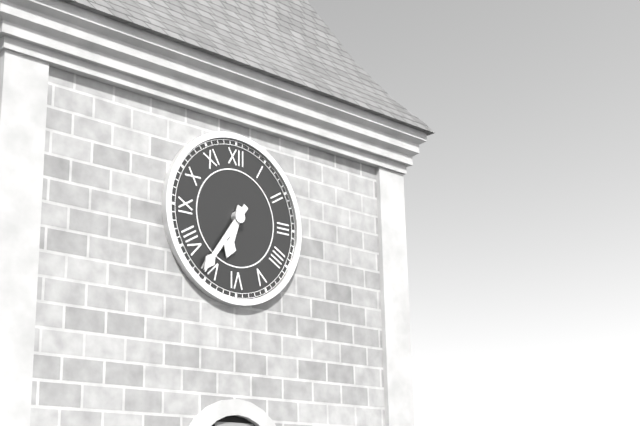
**6:36**
